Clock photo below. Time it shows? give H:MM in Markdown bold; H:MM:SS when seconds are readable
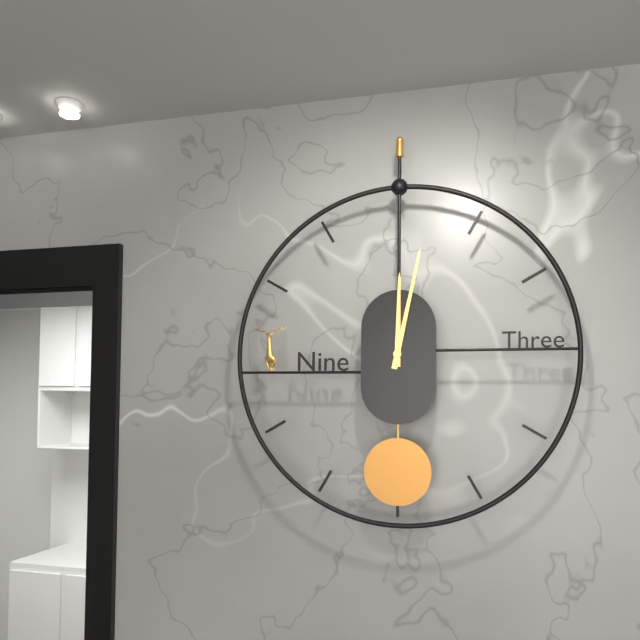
**12:02**
